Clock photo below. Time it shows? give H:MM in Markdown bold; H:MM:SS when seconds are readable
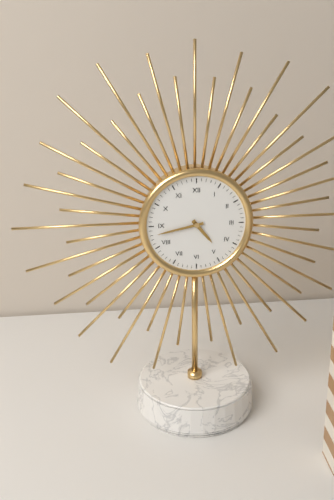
**4:43**
